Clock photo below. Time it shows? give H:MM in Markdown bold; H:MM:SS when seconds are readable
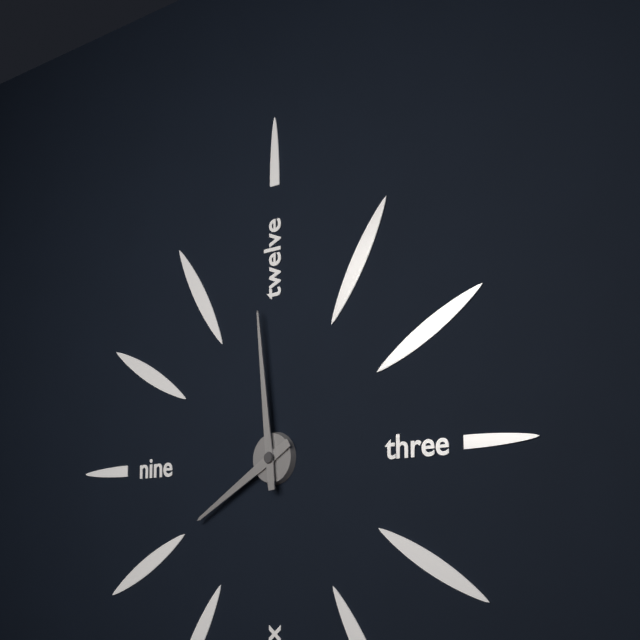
**7:59**
